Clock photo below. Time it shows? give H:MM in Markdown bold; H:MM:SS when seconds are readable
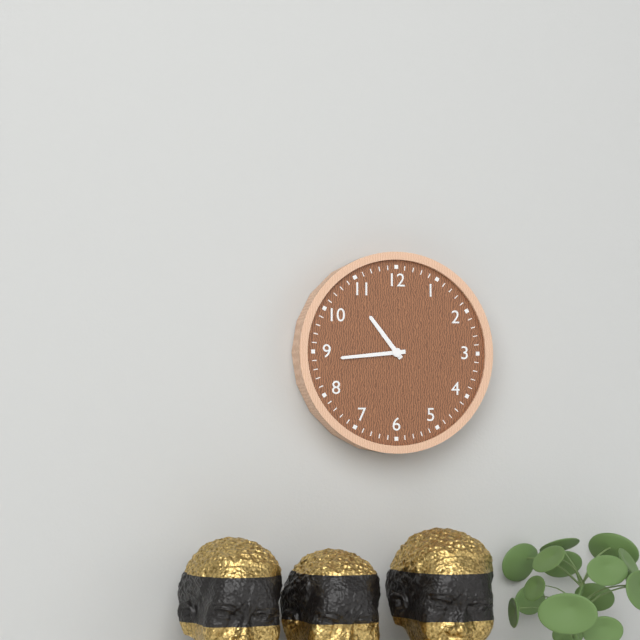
**10:44**
